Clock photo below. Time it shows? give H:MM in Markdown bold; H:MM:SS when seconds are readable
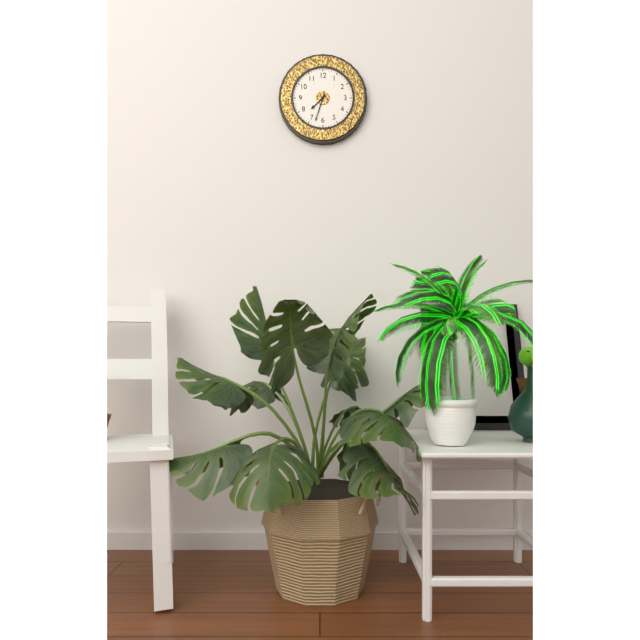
**7:33**
